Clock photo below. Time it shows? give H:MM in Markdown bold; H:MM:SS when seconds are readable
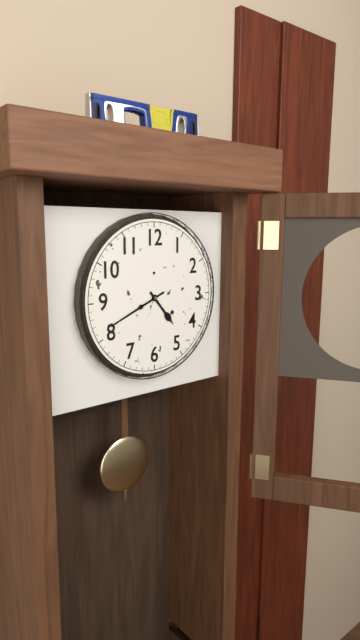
**4:41**
